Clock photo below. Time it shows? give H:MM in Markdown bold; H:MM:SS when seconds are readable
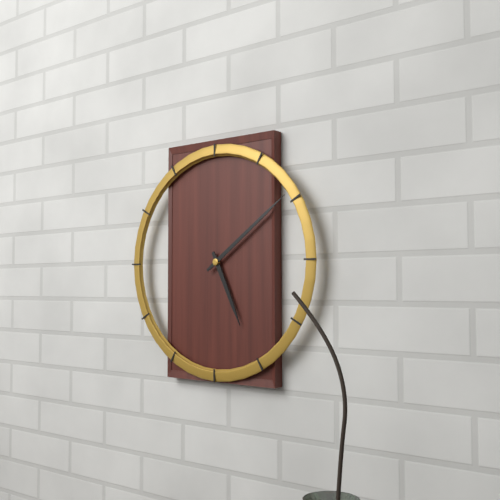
**5:09**
